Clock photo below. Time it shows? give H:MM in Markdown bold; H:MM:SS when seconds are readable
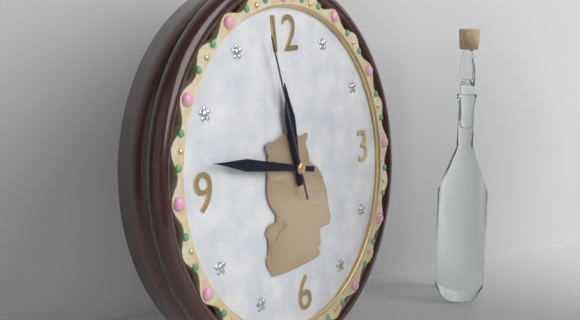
**11:47:58**
